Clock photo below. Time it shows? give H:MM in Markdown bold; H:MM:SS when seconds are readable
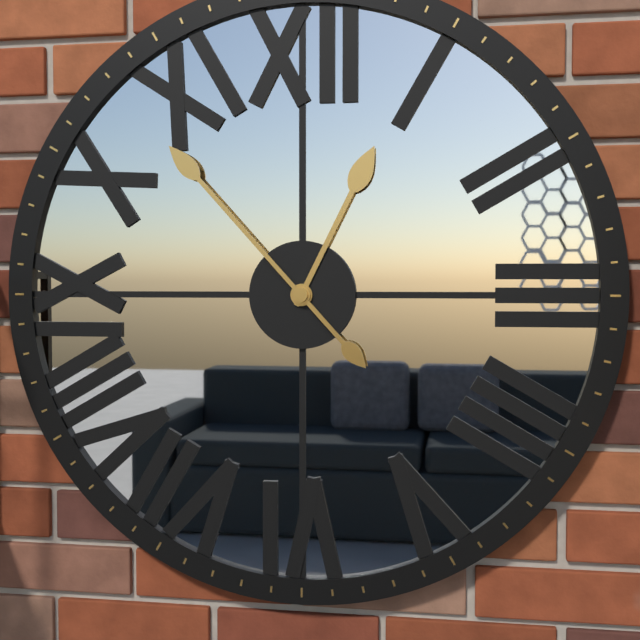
**12:53**
